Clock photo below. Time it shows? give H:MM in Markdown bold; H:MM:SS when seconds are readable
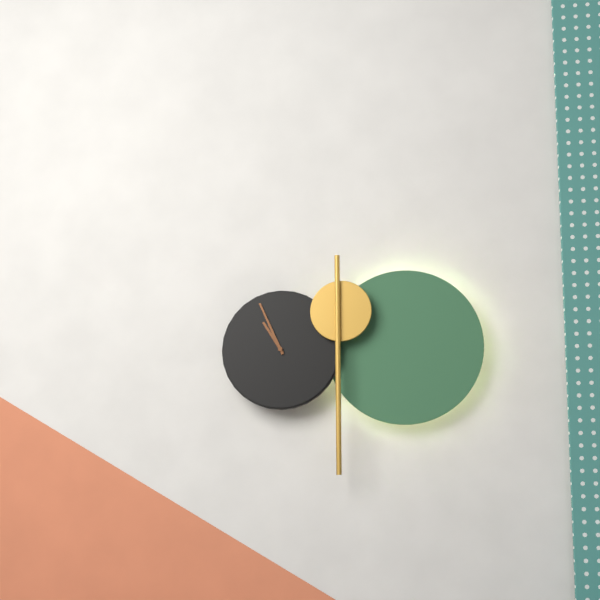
**10:56**
